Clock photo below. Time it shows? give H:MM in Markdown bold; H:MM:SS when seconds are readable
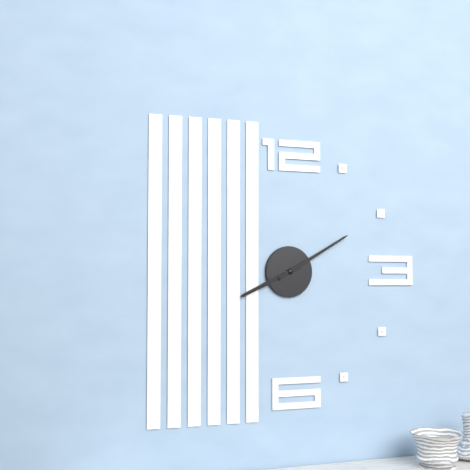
**8:10**
